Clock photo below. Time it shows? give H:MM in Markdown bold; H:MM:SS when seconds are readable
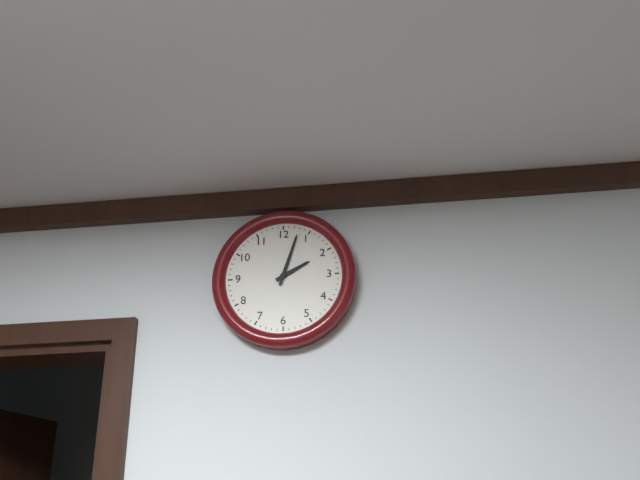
**2:03**
